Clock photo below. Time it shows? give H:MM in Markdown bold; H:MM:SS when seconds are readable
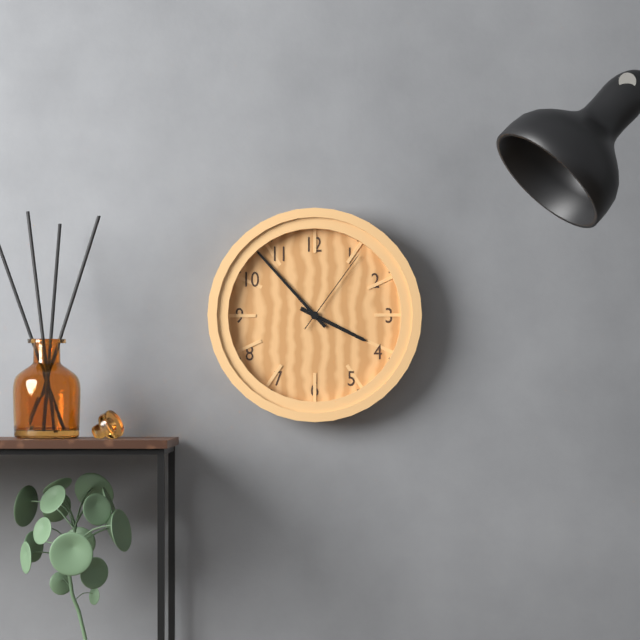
**3:53:06**
